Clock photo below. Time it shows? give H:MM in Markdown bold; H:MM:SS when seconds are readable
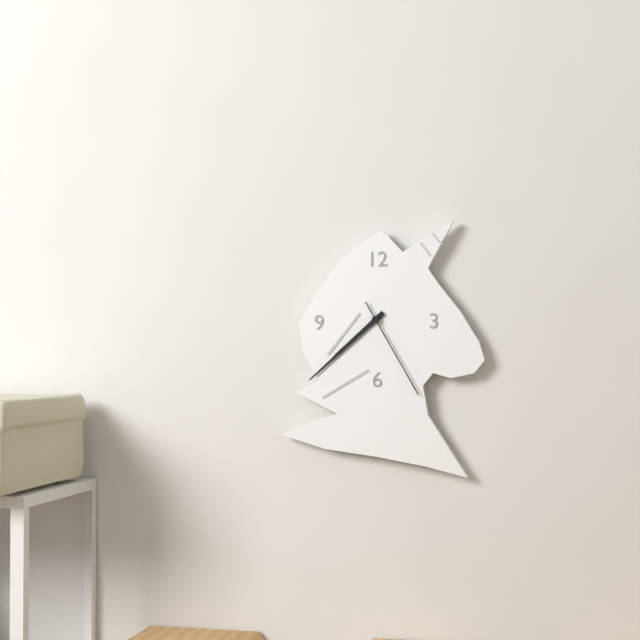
**7:38:25**
